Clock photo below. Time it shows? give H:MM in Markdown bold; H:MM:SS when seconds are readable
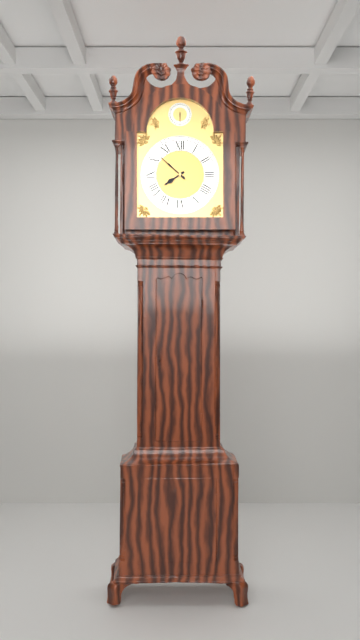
**7:52**
